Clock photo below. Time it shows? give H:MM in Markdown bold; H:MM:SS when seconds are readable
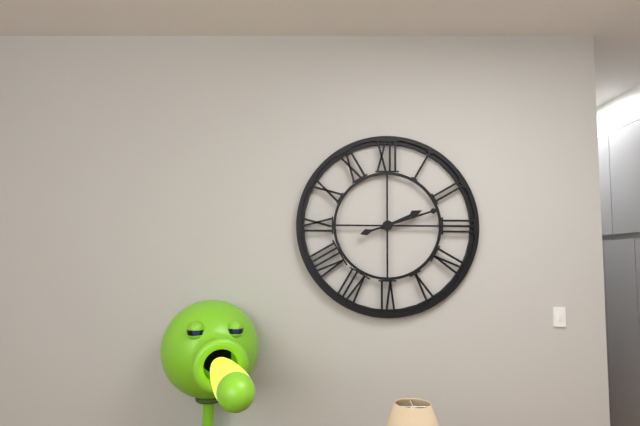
**2:12**
